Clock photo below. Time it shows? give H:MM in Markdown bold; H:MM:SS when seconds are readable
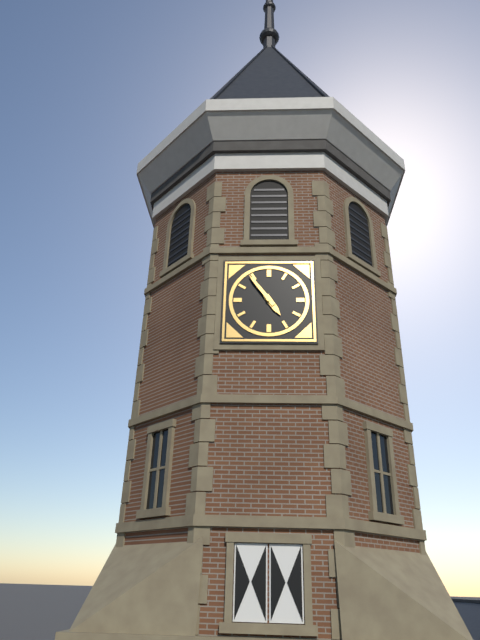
**4:54**
